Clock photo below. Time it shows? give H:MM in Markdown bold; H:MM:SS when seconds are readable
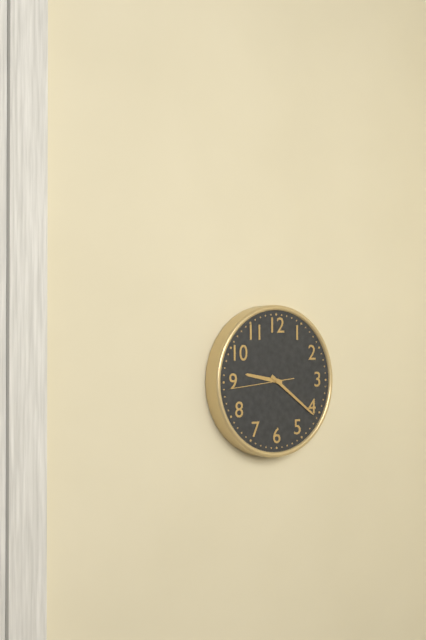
**9:21:44**
